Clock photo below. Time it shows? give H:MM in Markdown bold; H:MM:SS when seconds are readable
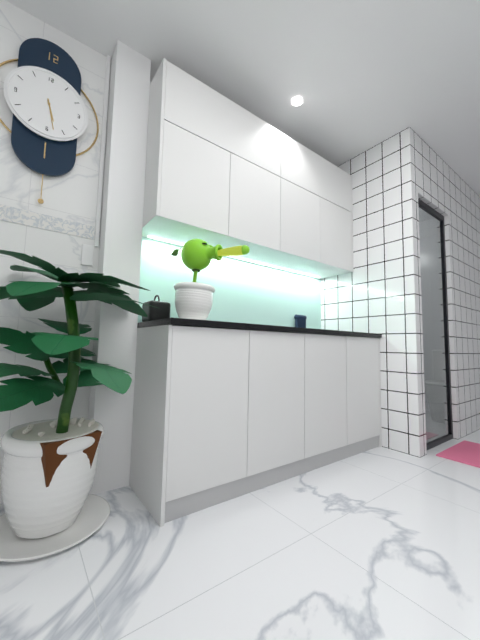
**5:28**
